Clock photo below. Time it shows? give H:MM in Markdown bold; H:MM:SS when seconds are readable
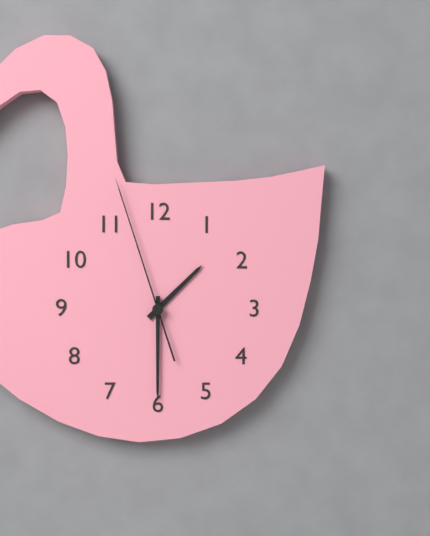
**1:30:57**
